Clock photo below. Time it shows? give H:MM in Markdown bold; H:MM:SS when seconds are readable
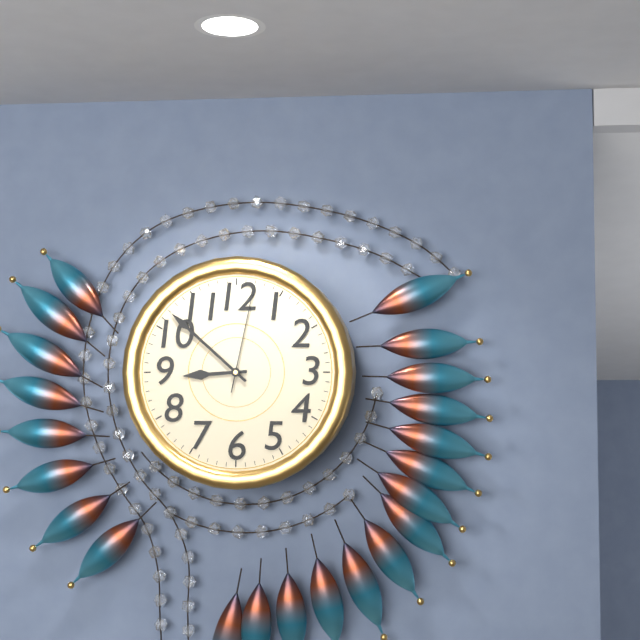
**8:52:02**
